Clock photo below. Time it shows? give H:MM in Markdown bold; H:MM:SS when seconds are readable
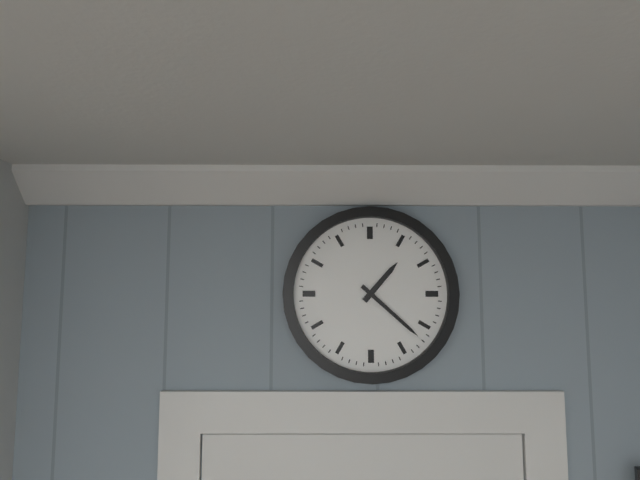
**1:22**
